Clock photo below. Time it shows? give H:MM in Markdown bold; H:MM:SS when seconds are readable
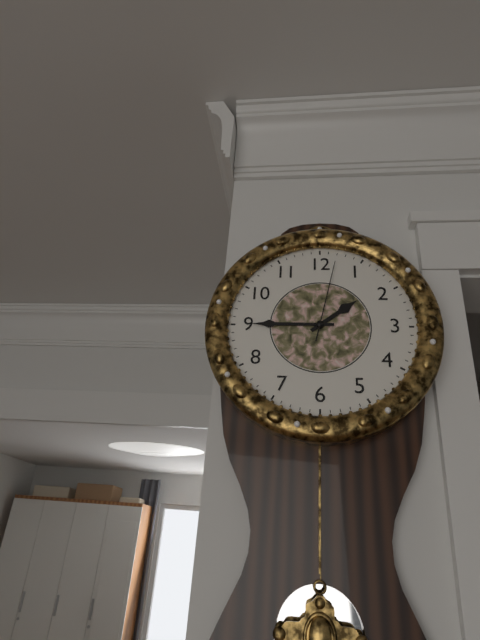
**1:45:02**
